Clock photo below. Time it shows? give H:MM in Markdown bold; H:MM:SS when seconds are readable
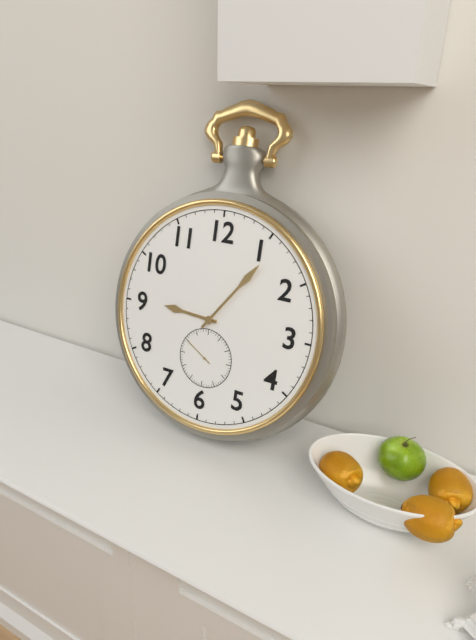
**9:06**
